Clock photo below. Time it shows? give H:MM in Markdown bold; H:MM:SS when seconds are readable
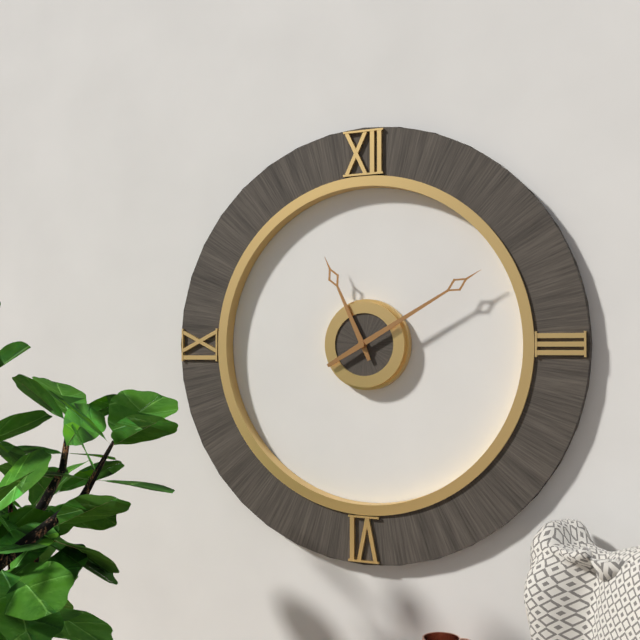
**11:10**
